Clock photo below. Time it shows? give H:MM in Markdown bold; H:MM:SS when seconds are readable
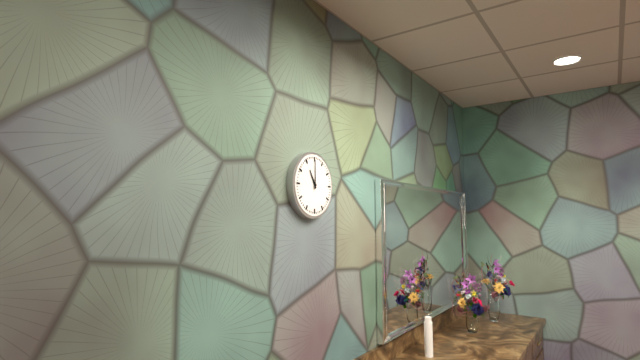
**11:00**
